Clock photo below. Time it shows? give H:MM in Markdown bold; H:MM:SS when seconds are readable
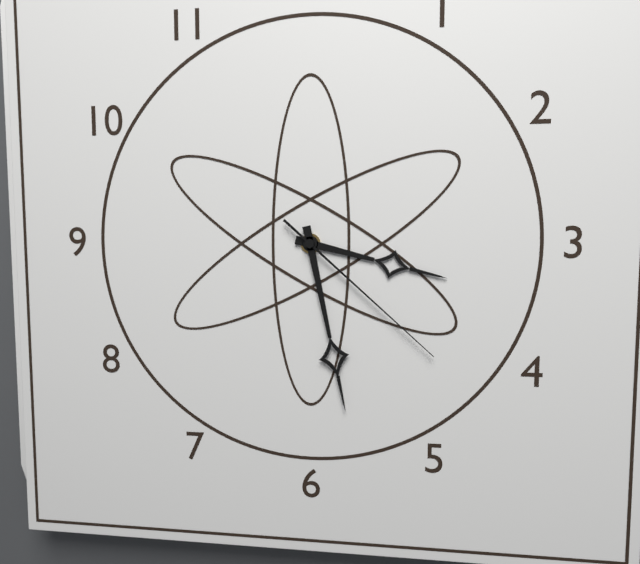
**3:28:22**
